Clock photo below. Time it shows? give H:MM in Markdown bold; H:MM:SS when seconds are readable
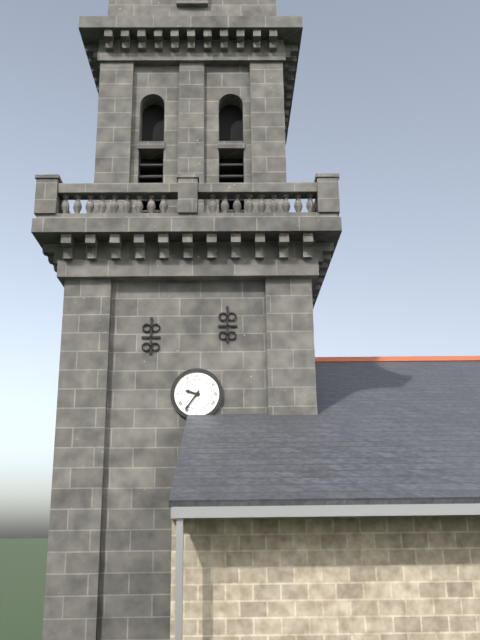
**9:36**
